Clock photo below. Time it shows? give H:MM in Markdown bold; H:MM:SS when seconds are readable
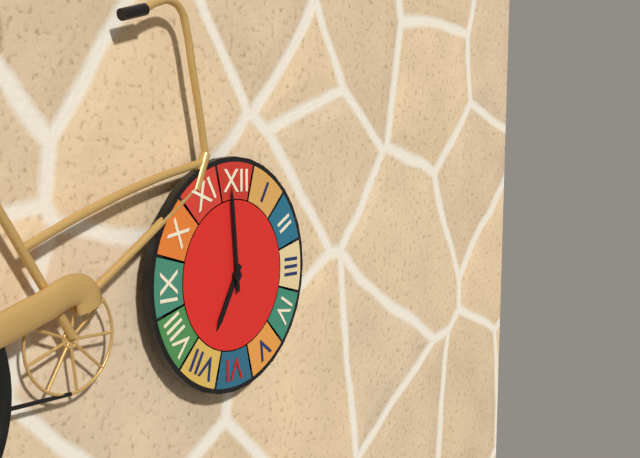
**6:59**
